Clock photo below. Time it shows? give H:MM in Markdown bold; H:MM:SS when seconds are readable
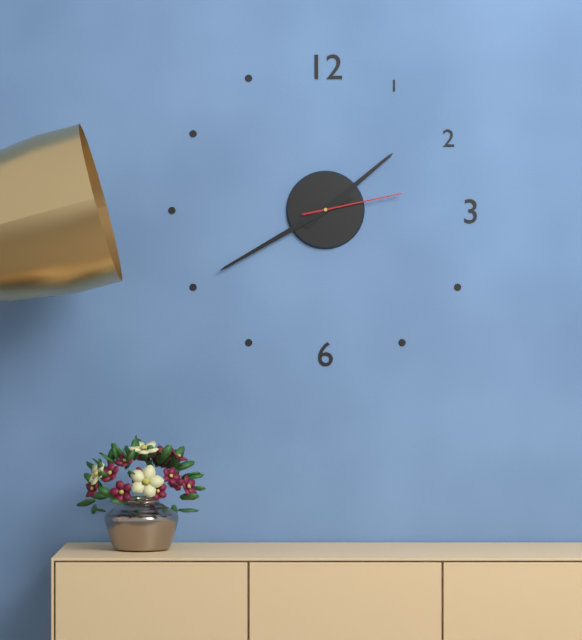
**1:40:13**
